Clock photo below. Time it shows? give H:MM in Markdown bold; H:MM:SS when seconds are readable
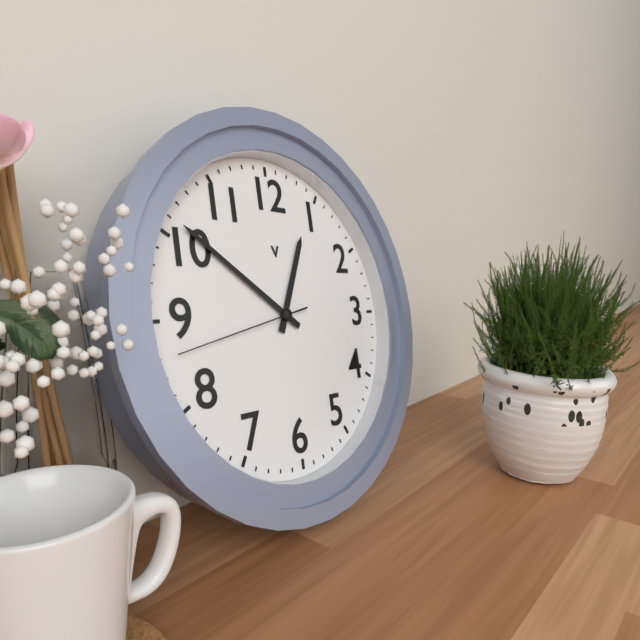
**12:51:43**
